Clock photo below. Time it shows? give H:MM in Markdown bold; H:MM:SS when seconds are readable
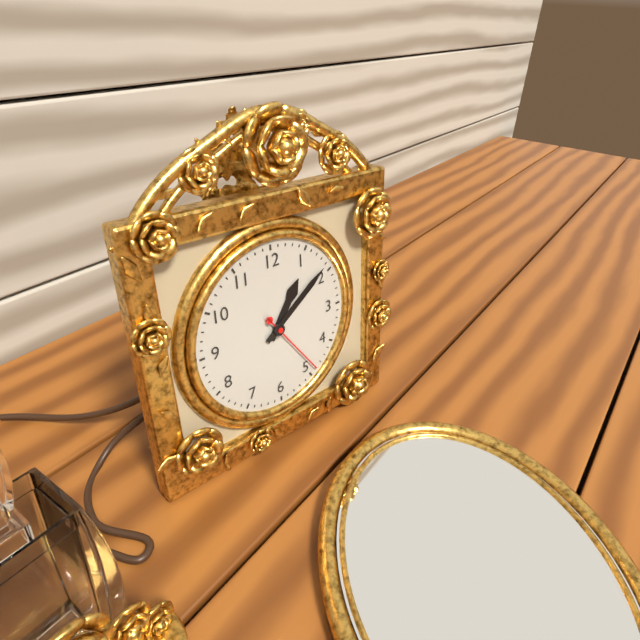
**1:09:24**
